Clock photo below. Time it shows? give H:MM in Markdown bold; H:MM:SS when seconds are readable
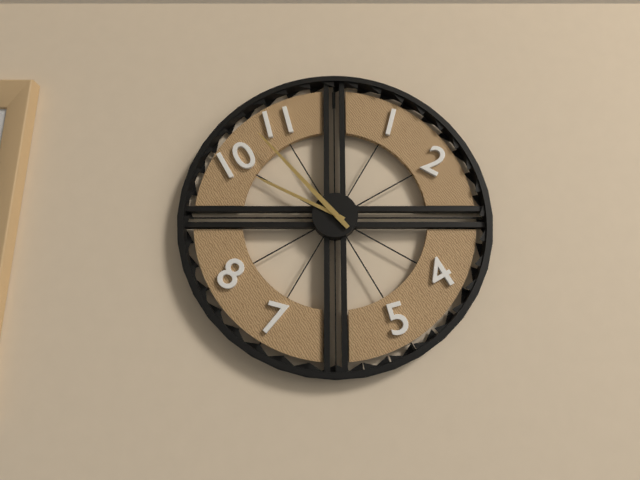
**9:53**
